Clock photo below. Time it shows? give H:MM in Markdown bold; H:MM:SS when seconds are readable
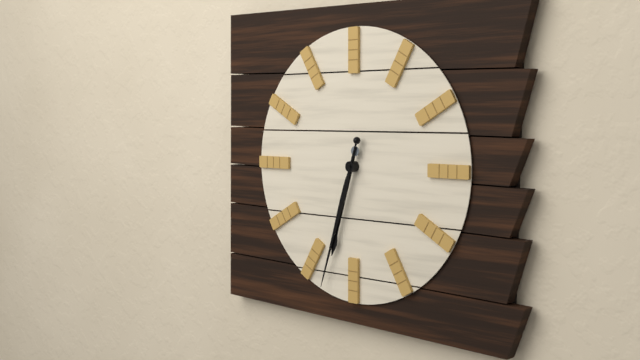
**6:33**
